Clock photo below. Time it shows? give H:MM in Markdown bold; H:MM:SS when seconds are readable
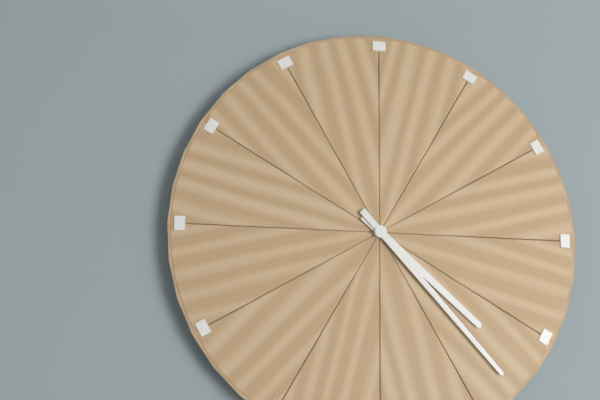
**4:23**
